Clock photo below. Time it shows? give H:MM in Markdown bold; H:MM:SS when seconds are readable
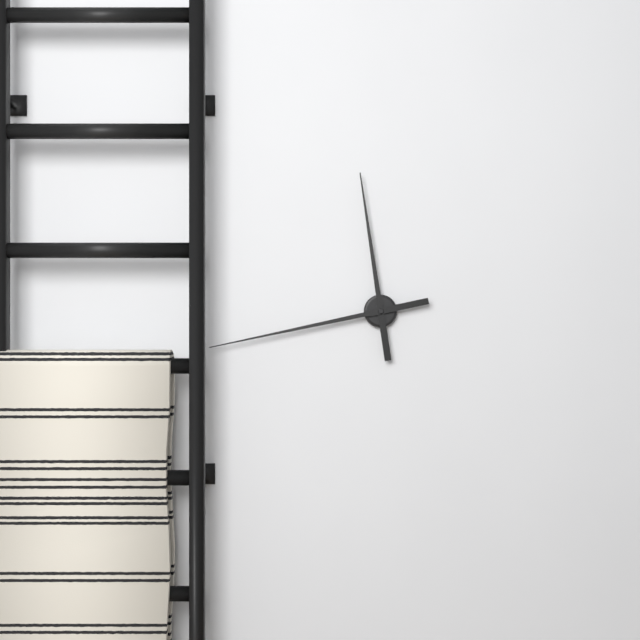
**11:43**
